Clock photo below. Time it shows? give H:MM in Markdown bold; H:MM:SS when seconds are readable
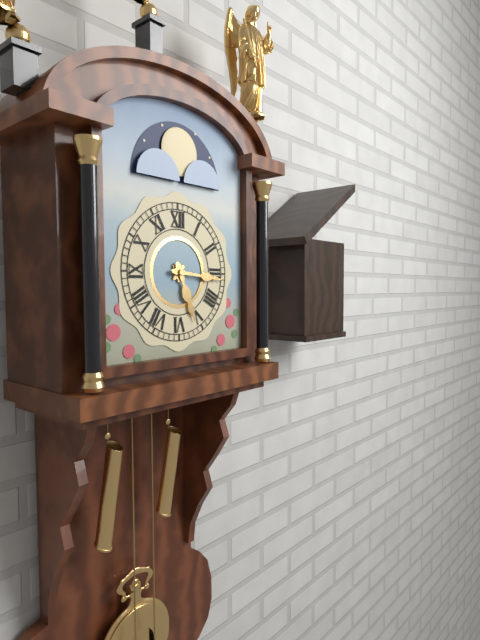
**5:16**
